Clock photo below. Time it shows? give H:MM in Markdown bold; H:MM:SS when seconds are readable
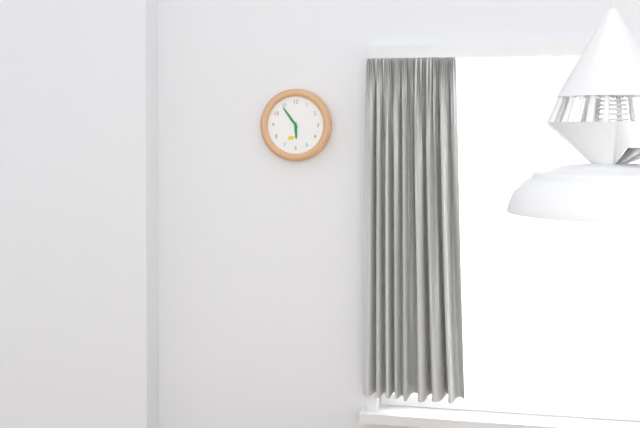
**5:54**
